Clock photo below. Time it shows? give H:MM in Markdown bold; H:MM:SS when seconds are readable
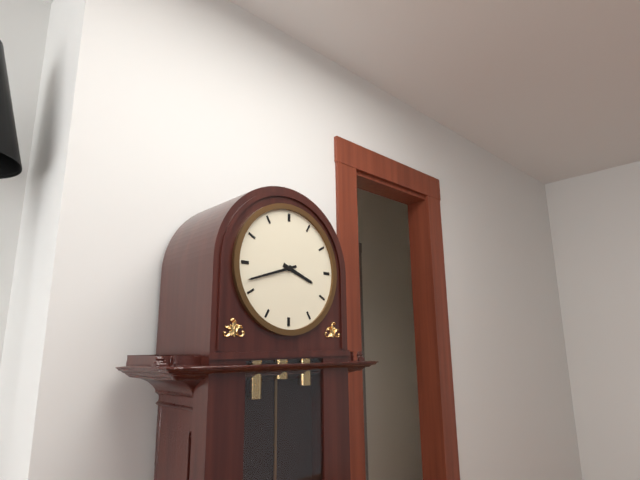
**3:42**
